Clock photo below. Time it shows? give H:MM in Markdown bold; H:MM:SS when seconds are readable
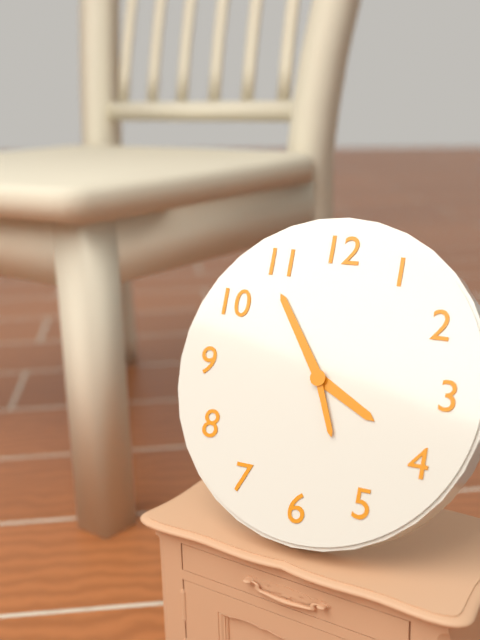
**3:54:26**
